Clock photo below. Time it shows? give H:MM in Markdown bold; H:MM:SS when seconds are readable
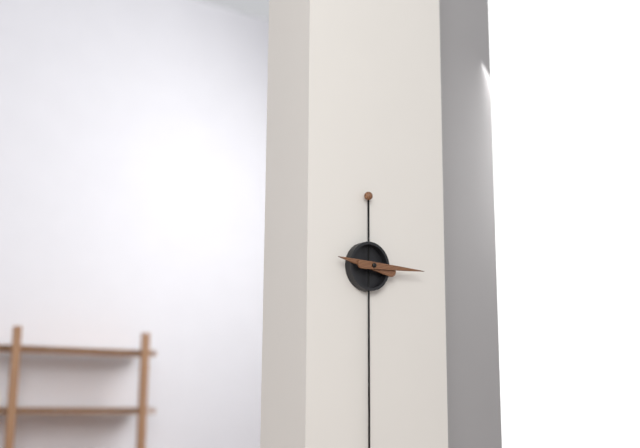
**9:15**
